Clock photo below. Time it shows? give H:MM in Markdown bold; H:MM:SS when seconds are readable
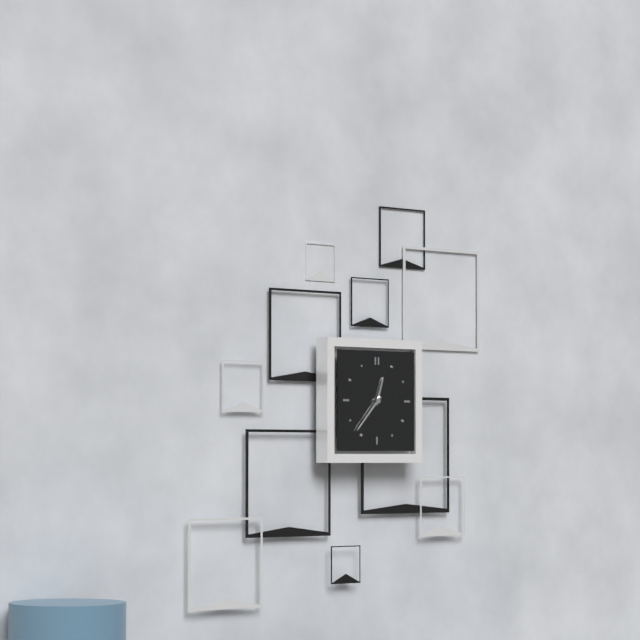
**12:37**
